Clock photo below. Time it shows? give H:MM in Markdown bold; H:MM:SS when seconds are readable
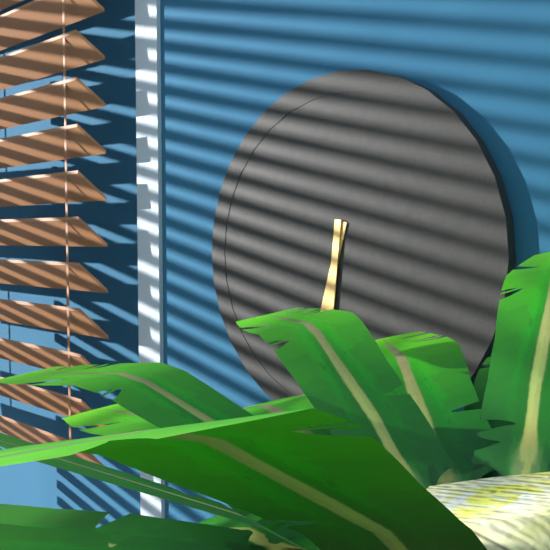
**6:31**
